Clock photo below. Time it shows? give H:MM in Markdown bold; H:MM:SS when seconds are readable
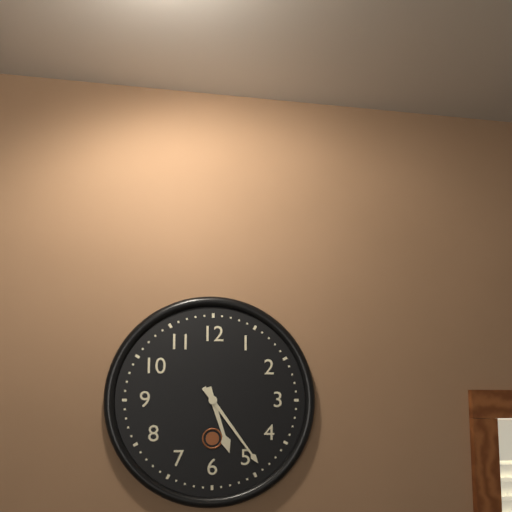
**5:24**
